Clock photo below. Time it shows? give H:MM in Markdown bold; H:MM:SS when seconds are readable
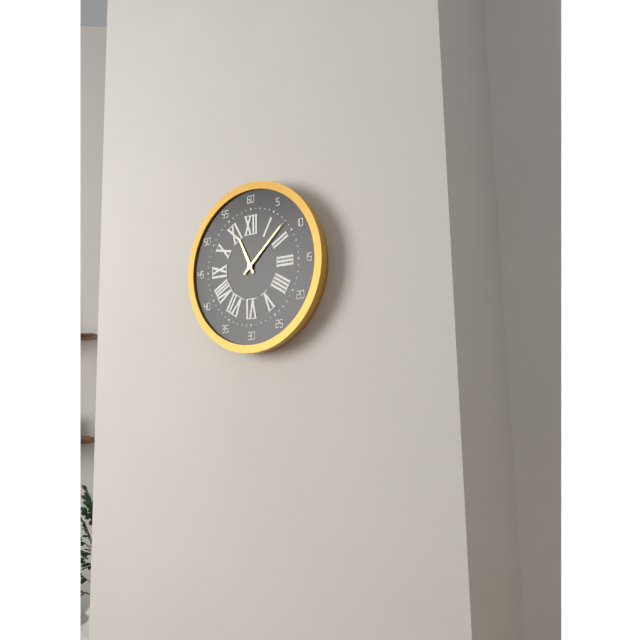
**11:08**
